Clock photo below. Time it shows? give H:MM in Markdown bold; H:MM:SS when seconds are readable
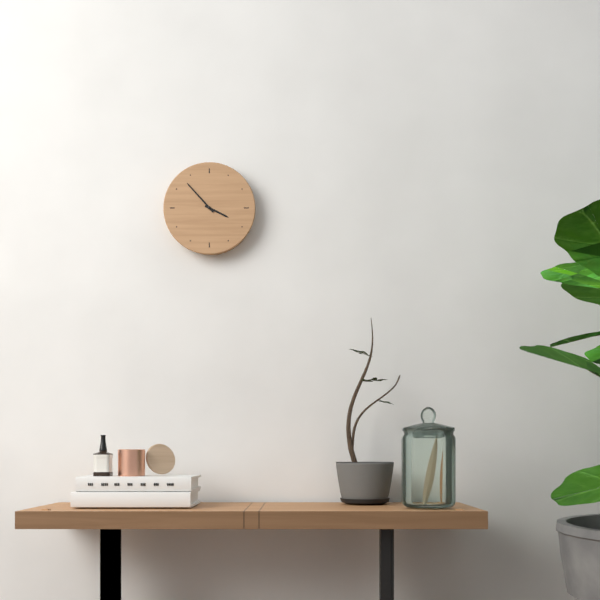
**3:53**
